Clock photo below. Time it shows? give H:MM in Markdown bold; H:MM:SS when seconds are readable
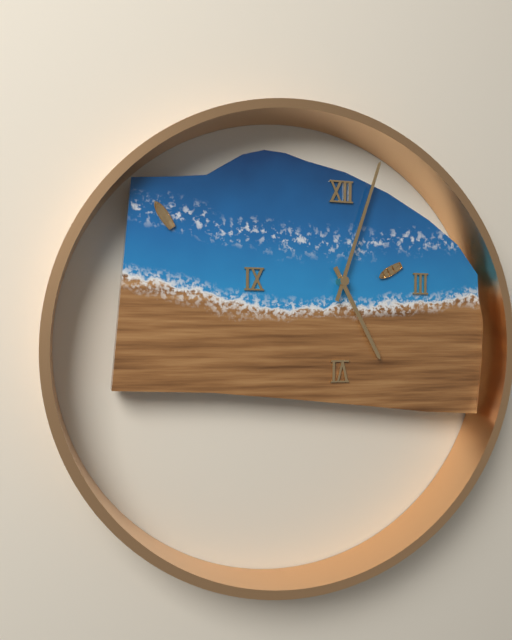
**5:03**
